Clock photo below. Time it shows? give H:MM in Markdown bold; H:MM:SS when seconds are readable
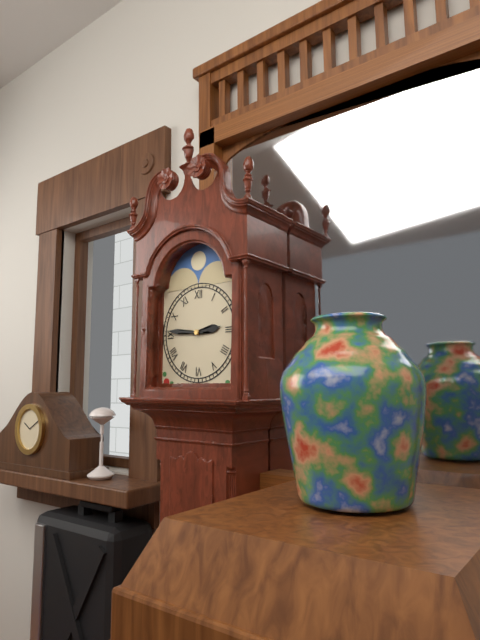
**2:46**
